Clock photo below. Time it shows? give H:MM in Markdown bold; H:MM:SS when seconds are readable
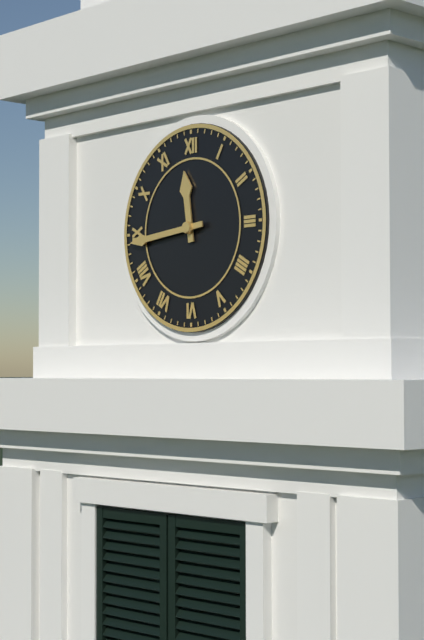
**11:44**
